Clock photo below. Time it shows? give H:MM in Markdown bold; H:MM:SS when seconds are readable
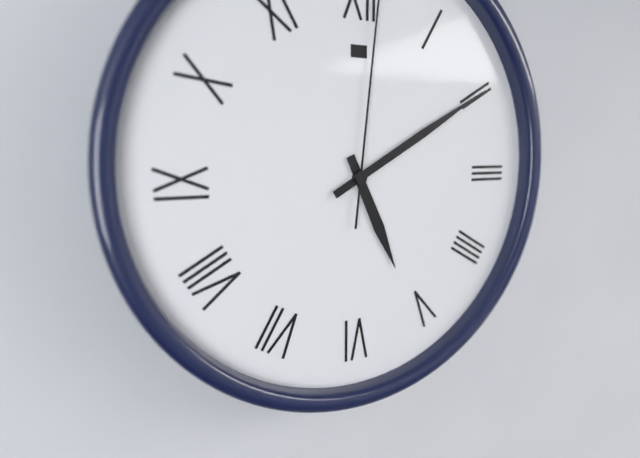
**5:10**
